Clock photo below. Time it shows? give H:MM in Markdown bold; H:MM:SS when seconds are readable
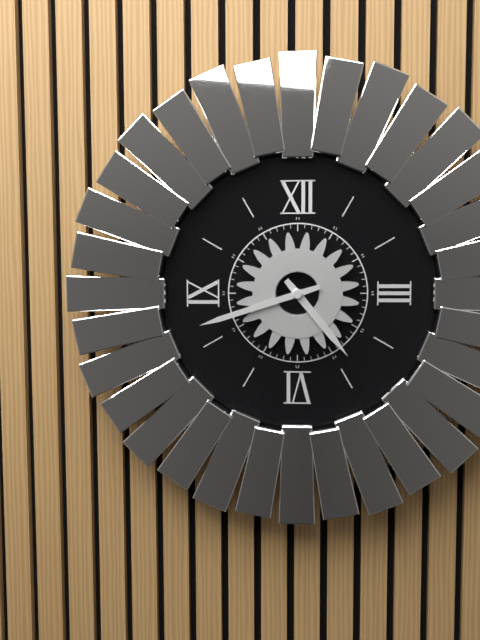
**4:42**
